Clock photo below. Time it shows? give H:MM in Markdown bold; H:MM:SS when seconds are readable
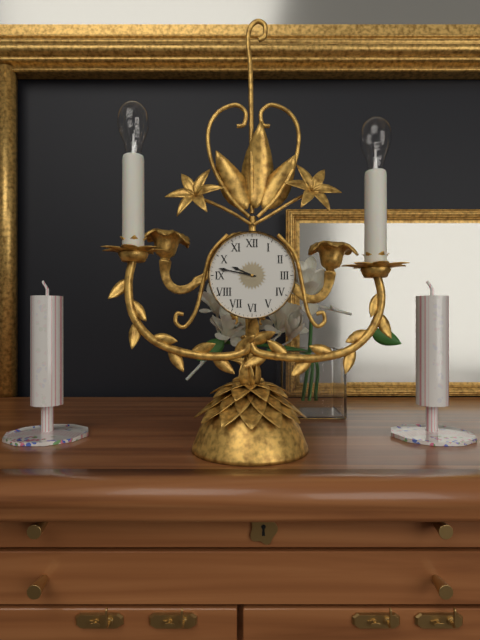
**9:47**
